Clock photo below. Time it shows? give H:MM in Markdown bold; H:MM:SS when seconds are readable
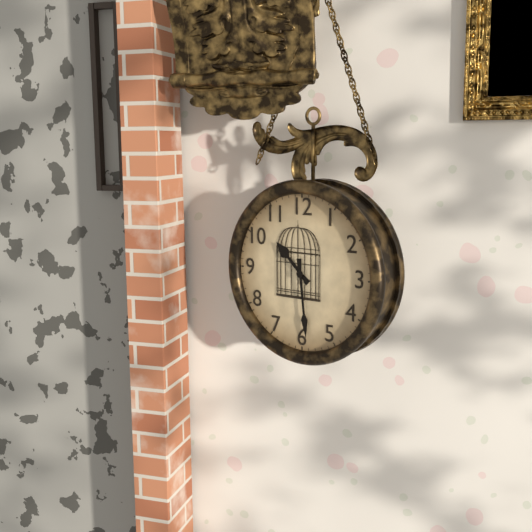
**10:29**
